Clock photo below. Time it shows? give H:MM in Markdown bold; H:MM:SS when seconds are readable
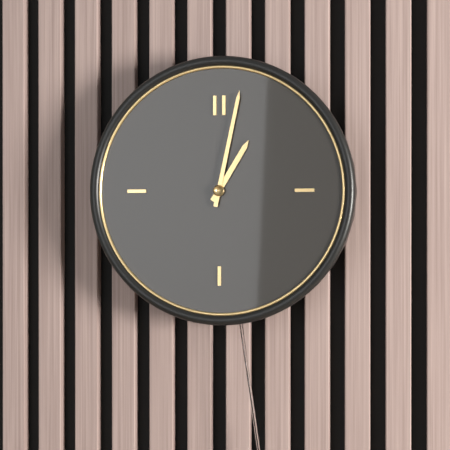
**1:02**
